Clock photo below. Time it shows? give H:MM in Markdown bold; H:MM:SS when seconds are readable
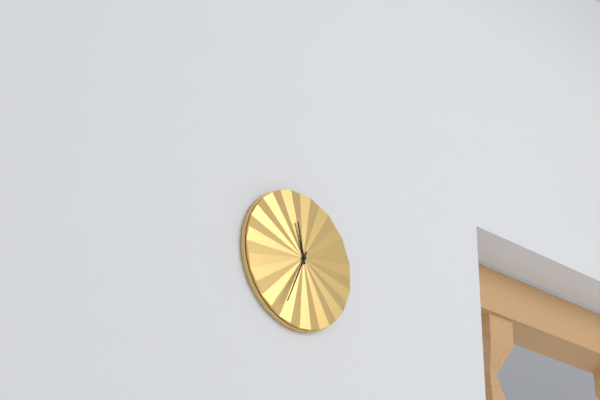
**11:34**
